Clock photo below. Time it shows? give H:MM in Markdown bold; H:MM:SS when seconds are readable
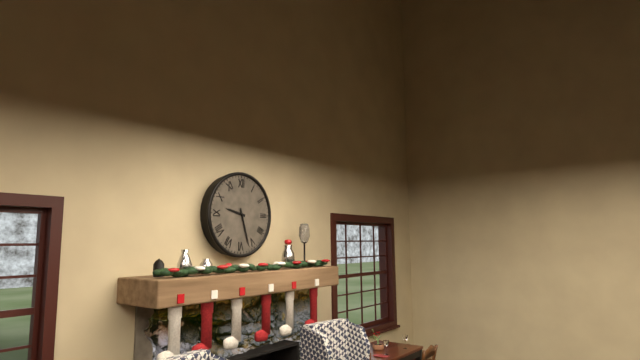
**9:27**
